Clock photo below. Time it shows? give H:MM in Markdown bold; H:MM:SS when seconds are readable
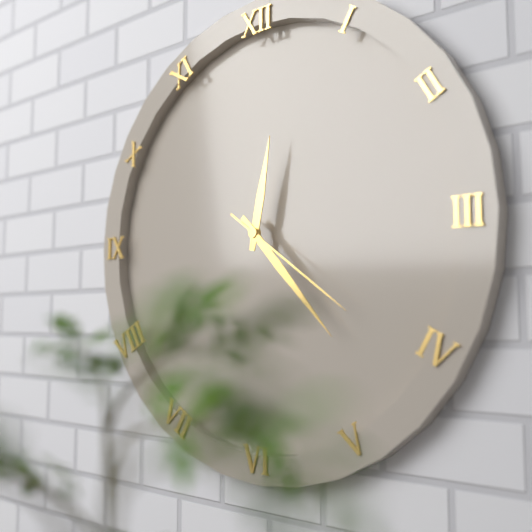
**12:23:21**
